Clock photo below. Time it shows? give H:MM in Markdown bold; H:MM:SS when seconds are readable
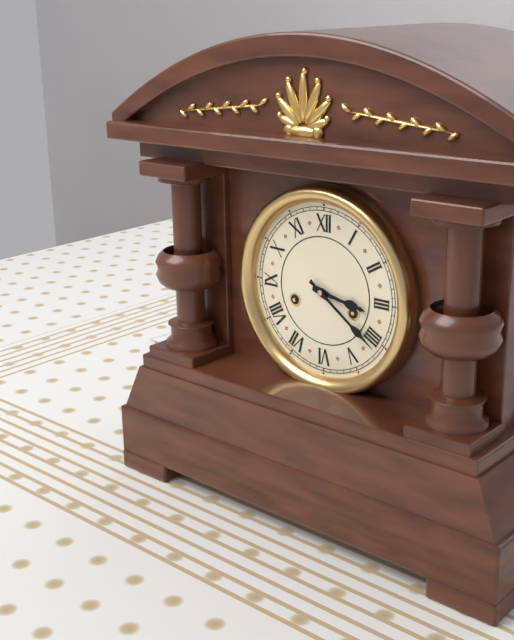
**3:21**
